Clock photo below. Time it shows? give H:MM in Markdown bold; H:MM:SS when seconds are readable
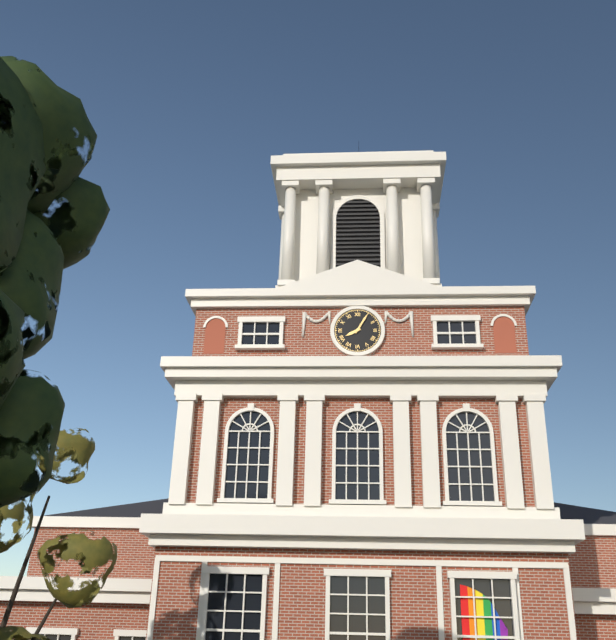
**8:05**
